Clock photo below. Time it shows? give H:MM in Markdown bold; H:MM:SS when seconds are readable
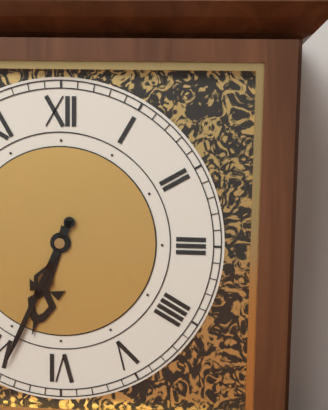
**6:34**
